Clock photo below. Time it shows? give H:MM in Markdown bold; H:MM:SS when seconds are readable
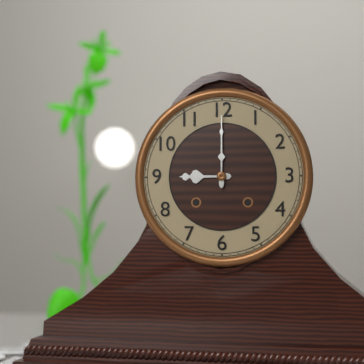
**9:00**
